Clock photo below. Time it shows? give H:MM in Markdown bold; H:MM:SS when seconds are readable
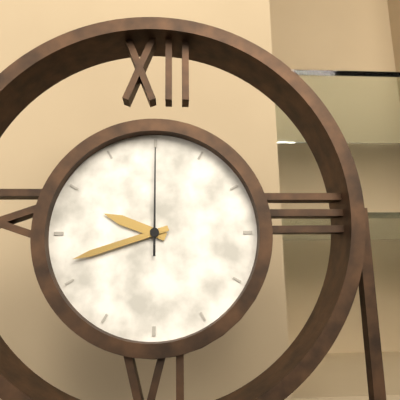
**9:42:00**
